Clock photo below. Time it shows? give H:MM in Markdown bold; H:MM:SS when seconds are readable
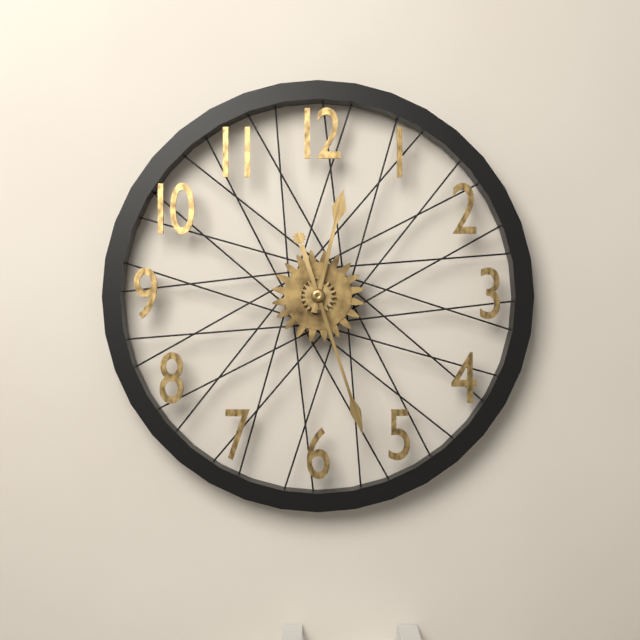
**12:27**
